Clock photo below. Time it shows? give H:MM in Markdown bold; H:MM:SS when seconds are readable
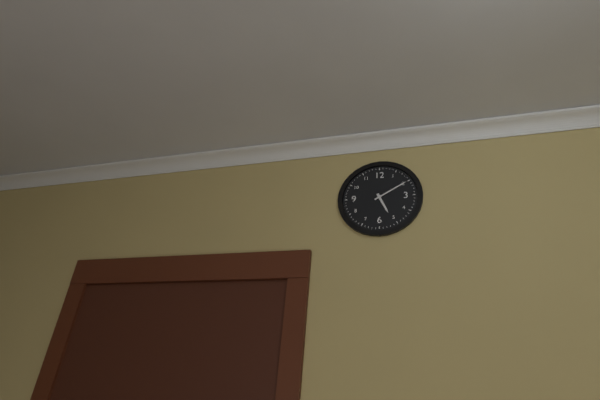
**5:10**
